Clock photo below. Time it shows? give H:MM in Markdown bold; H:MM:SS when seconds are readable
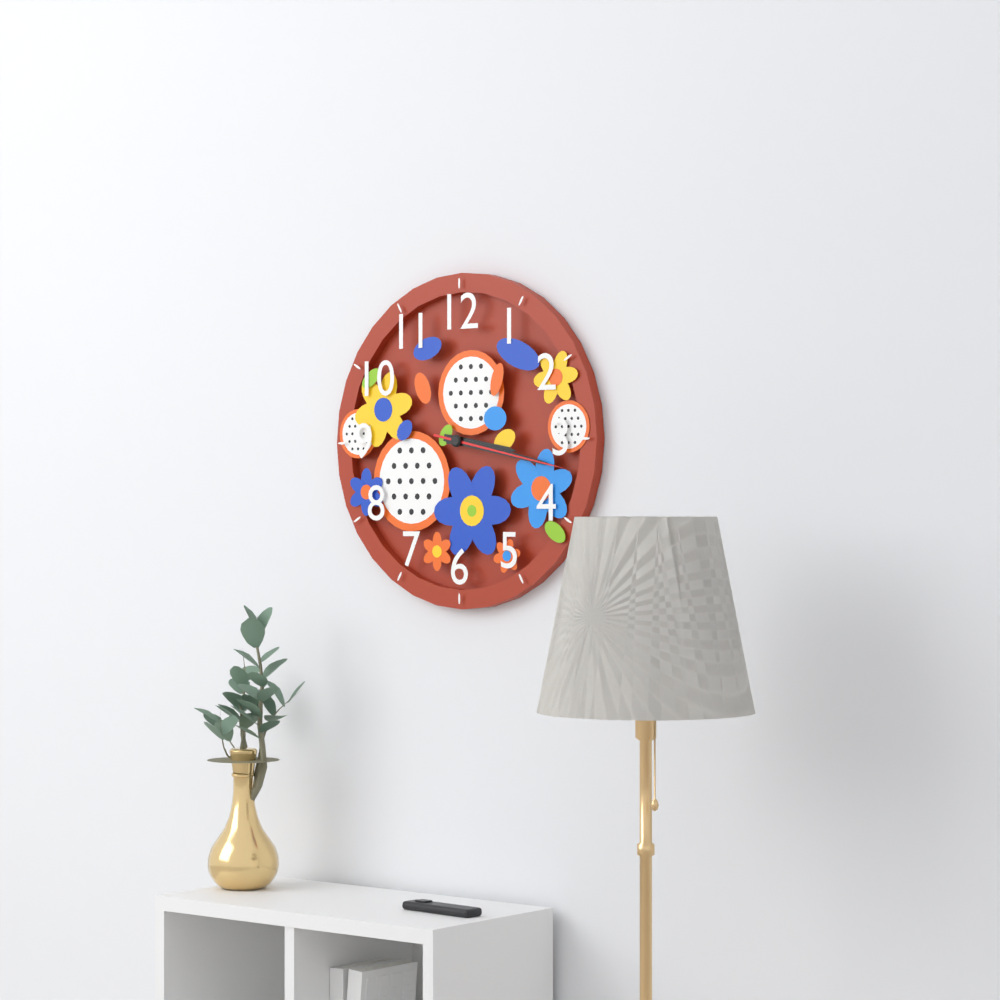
**3:17:17**
